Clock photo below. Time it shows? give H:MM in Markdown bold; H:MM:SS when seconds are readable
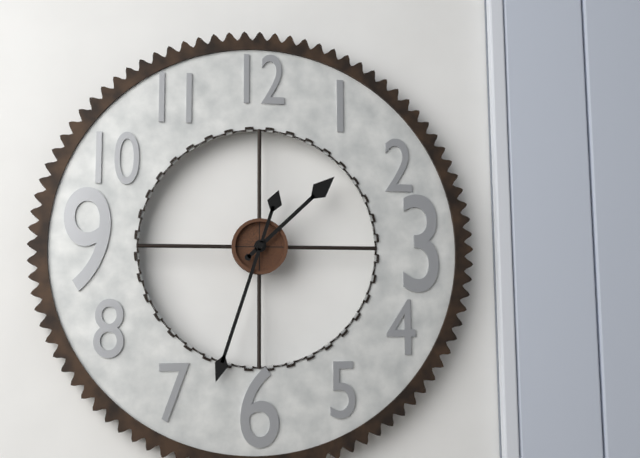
**1:33**
